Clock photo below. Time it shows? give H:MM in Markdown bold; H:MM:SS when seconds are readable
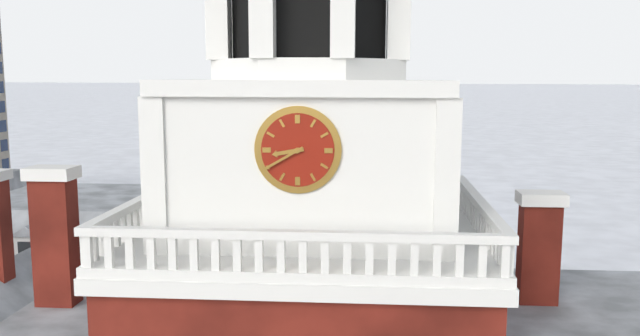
**8:40**
